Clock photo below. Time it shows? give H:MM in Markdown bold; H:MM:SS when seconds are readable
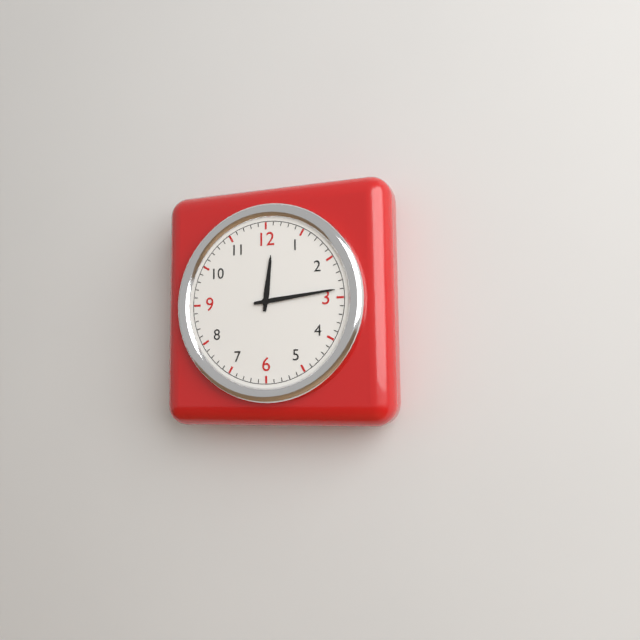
**12:14**
